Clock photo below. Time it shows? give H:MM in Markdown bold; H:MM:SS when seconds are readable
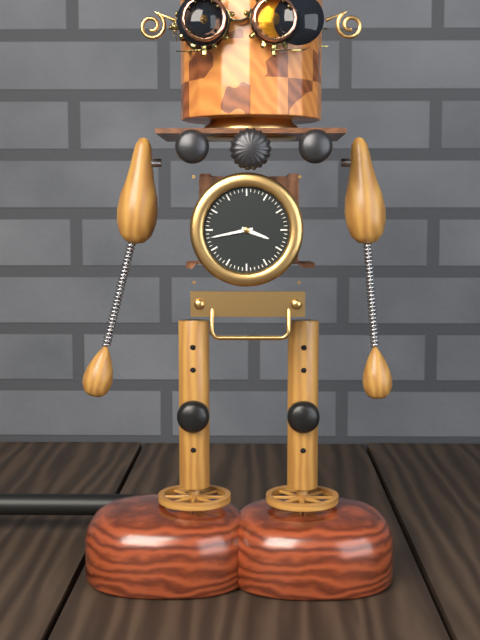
**3:43**
